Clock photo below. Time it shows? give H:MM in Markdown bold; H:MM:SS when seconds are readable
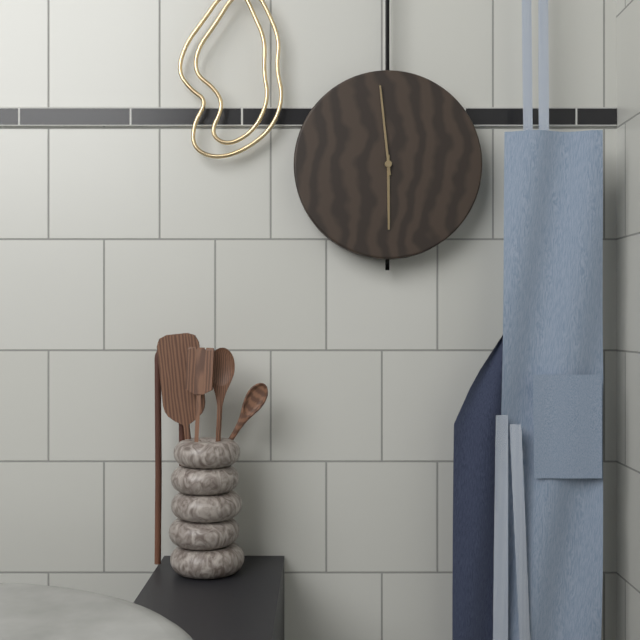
**5:59**
